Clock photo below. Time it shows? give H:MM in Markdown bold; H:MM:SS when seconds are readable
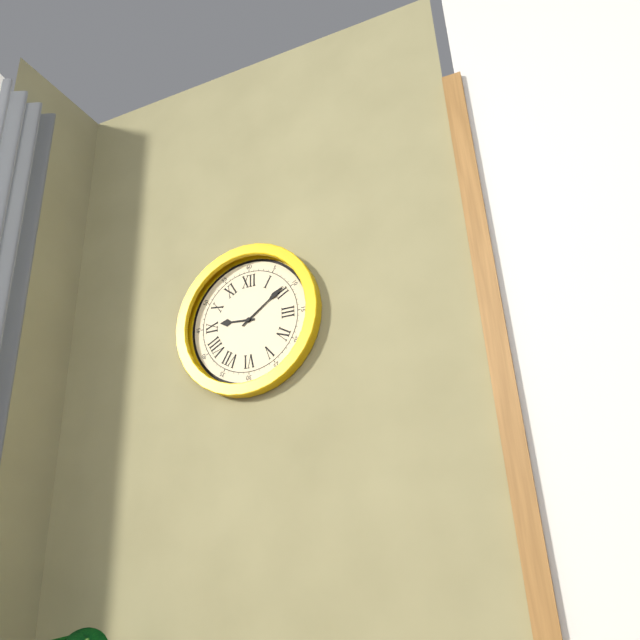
**9:09**
